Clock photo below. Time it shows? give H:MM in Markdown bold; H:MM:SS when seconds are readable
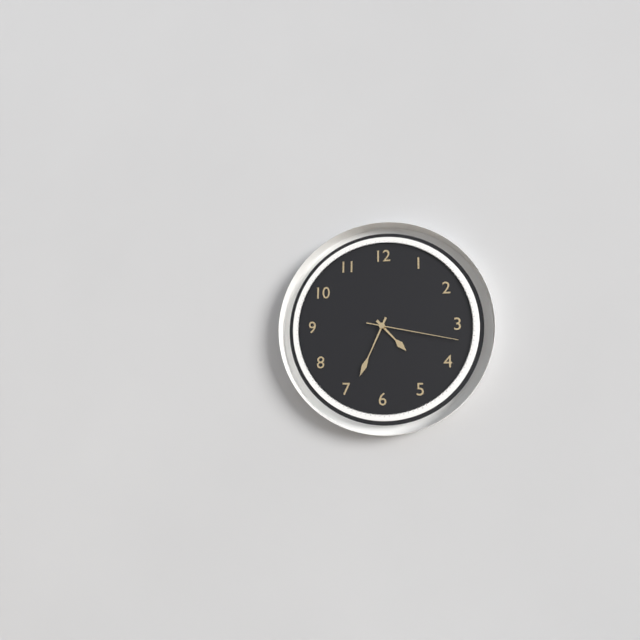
**4:34:17**
